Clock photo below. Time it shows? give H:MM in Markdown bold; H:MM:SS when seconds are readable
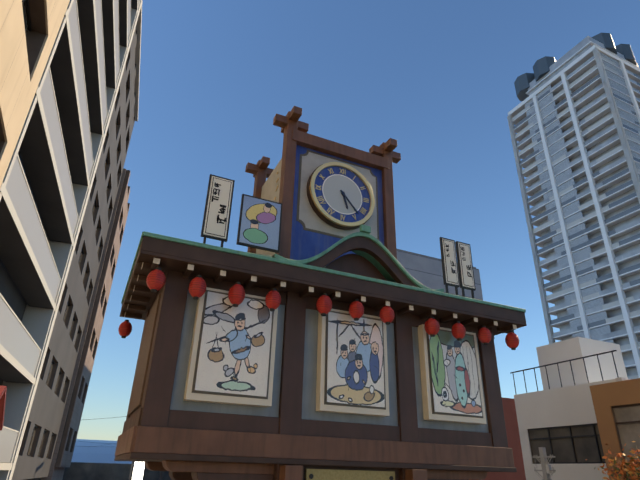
**5:23**
